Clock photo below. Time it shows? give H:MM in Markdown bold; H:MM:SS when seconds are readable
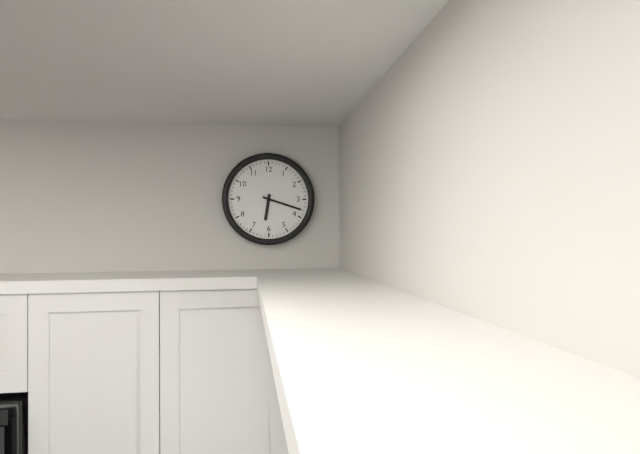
**6:18**
